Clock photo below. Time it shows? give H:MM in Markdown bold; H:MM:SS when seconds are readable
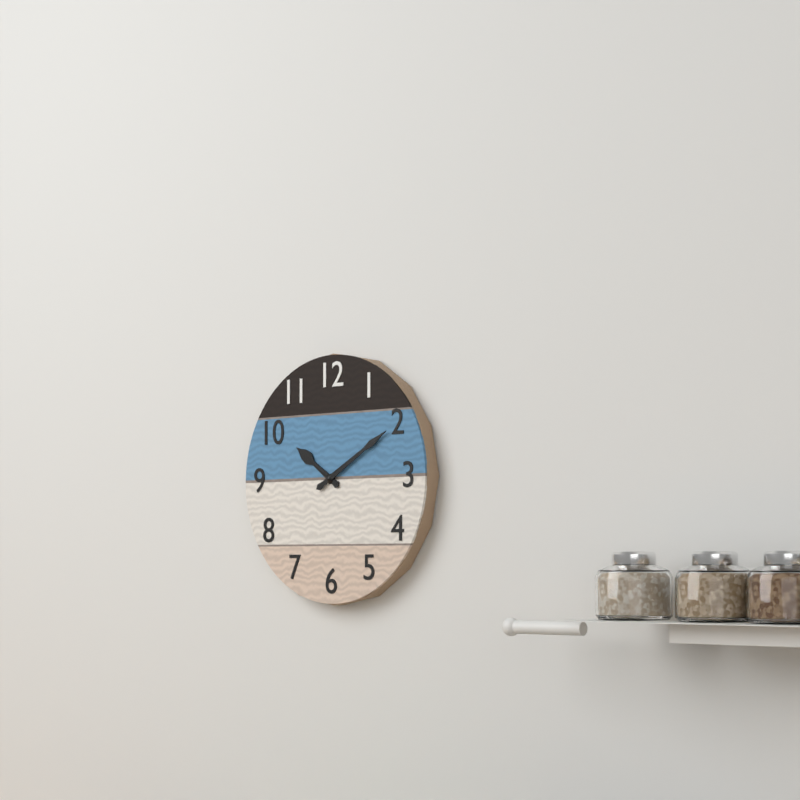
**10:10**
